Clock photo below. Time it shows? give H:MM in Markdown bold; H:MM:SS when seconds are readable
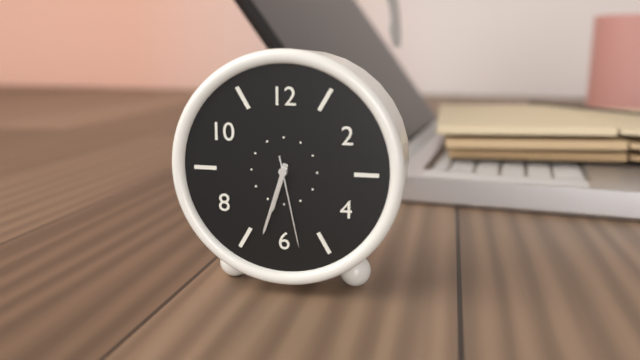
**6:33:28**
